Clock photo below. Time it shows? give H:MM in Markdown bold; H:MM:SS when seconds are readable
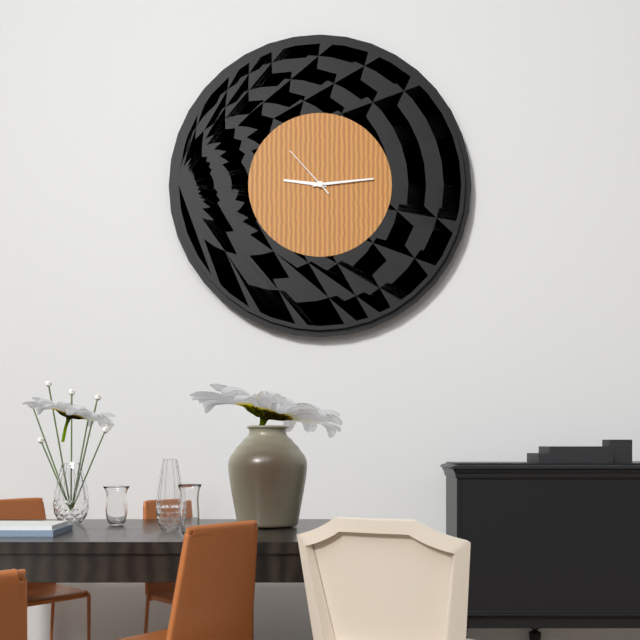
**9:14:53**
